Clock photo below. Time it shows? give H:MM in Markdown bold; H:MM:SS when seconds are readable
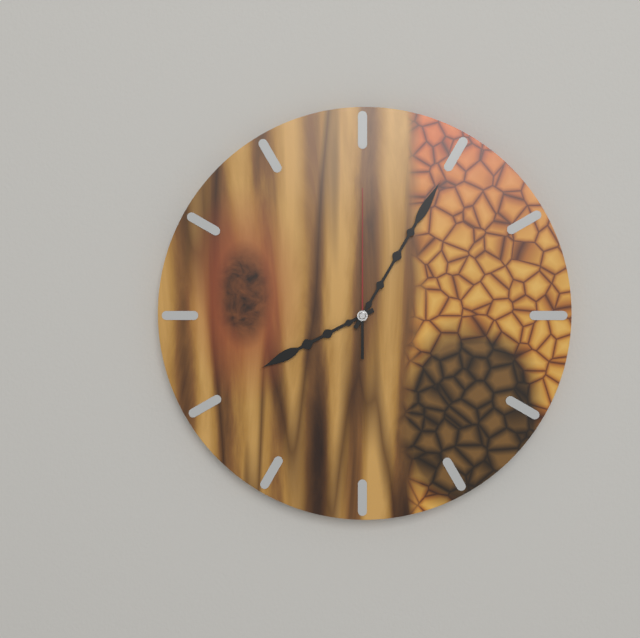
**8:05:00**
